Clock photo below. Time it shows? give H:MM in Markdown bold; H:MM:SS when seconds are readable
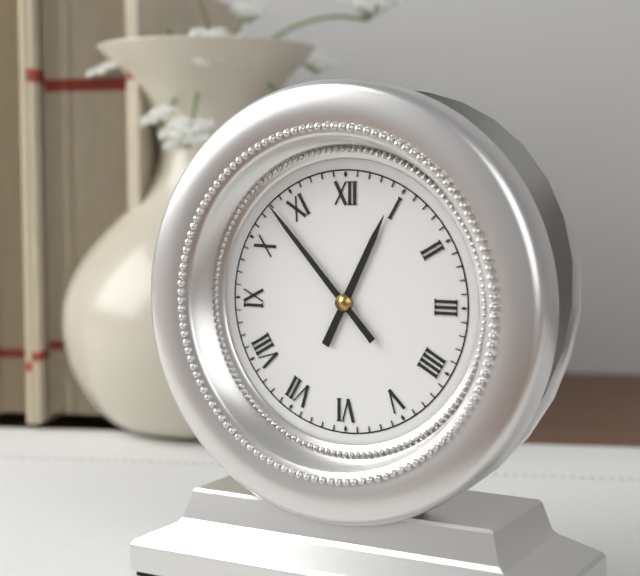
**12:53**
